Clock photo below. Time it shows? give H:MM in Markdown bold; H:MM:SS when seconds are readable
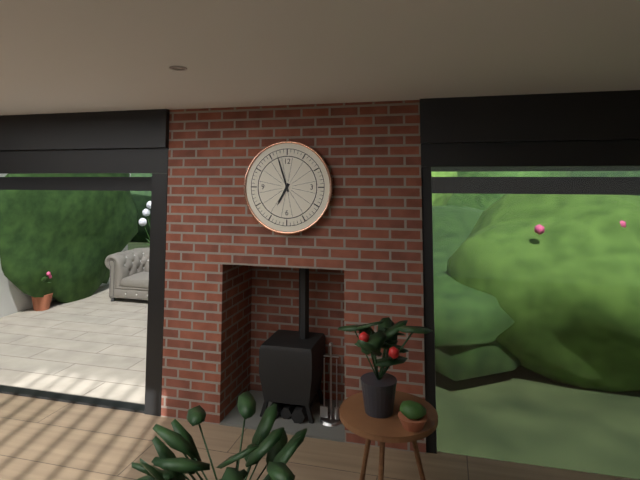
**6:57**
